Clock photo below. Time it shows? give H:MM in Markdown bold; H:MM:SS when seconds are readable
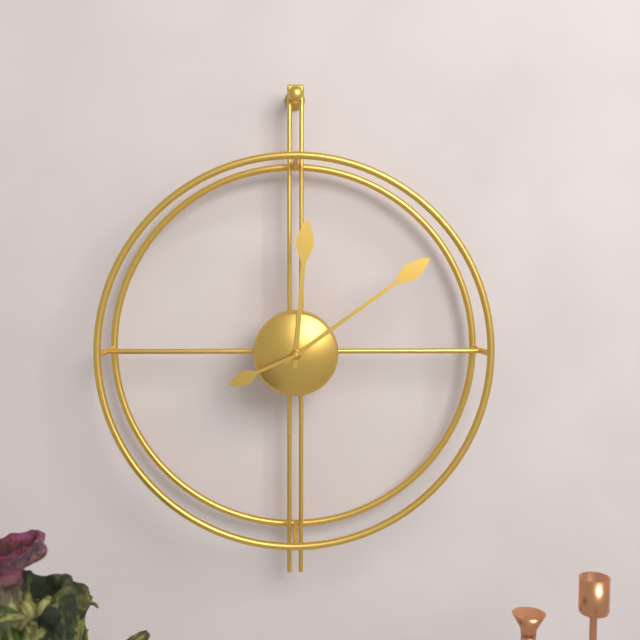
**12:09:41**
